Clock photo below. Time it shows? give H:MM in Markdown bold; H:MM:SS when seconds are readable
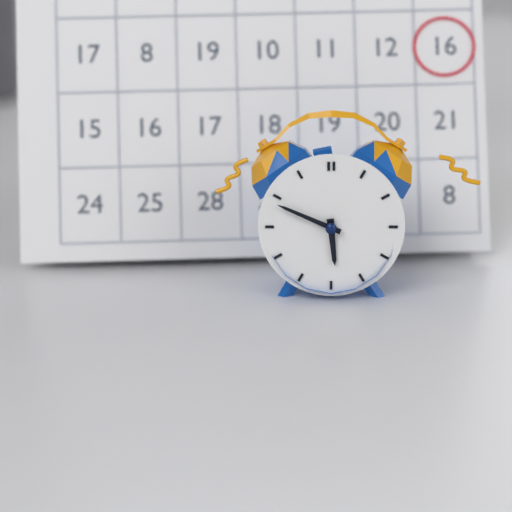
**5:49**
